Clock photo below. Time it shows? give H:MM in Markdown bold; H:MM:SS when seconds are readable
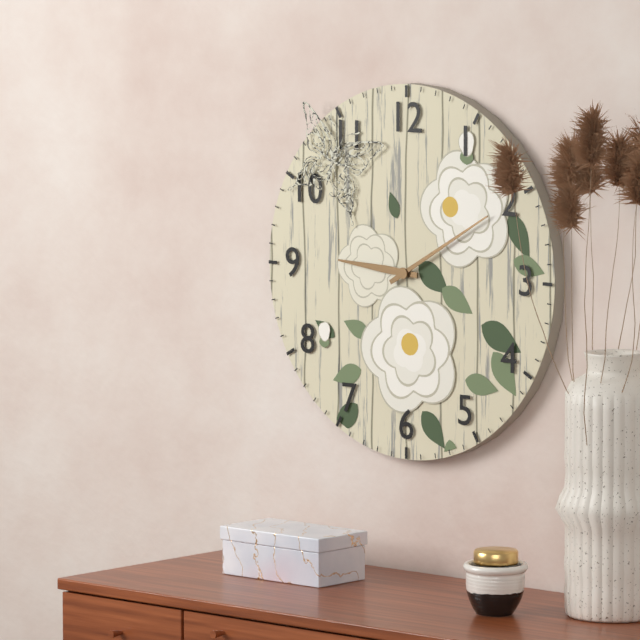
**9:10**
